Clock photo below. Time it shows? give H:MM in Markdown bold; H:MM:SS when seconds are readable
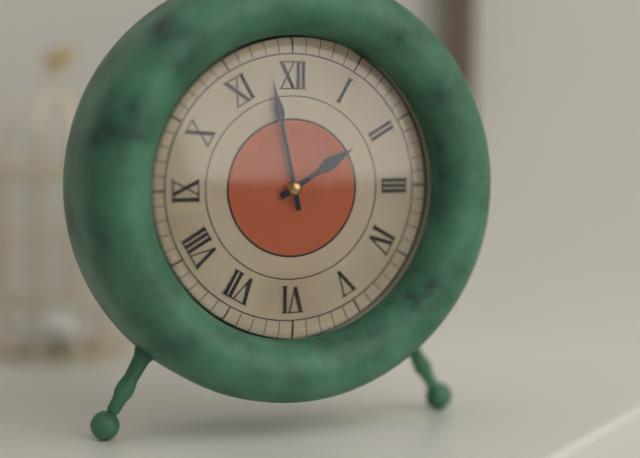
**1:58**
